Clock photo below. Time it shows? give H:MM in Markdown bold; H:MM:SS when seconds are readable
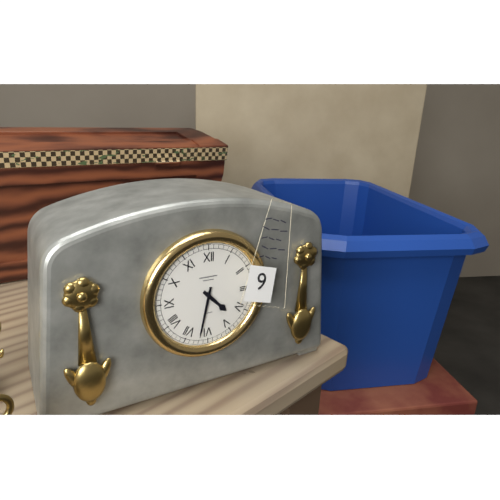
**4:32**
